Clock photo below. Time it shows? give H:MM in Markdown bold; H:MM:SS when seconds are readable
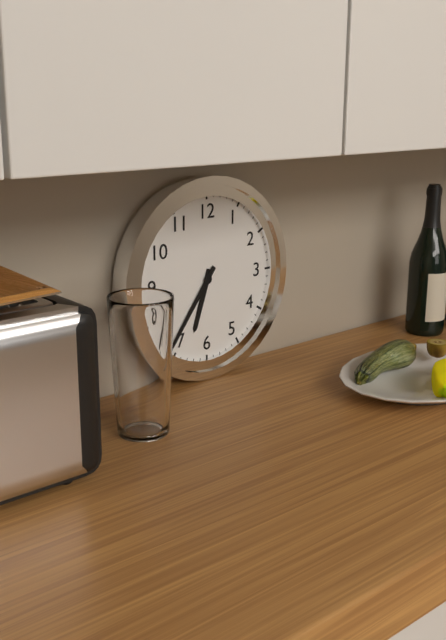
**6:36**
